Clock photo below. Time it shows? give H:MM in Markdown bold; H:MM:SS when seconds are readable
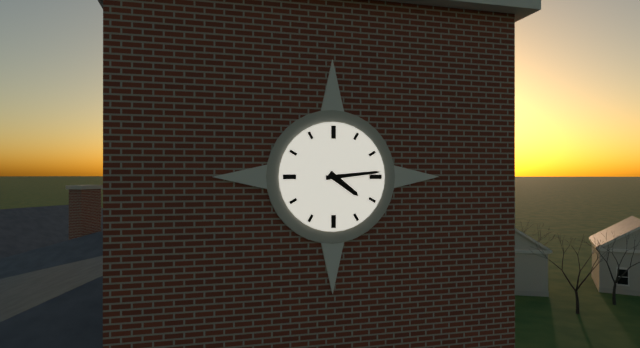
**4:14**
